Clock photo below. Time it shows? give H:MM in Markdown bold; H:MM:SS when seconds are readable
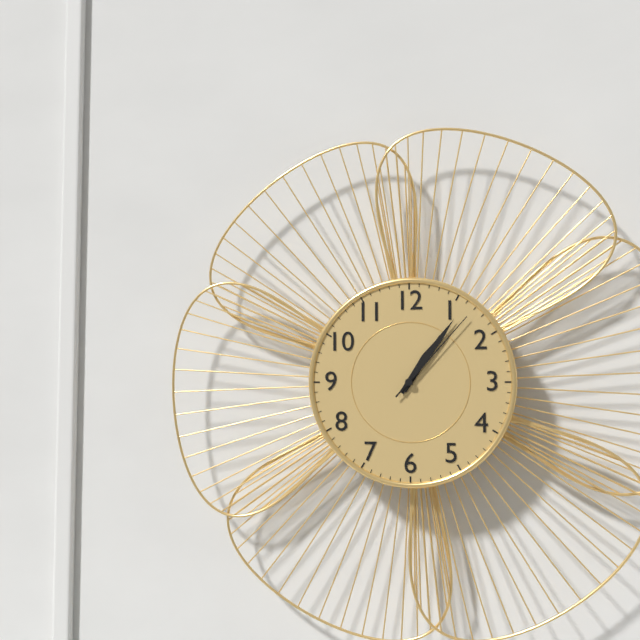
**1:06:07**
